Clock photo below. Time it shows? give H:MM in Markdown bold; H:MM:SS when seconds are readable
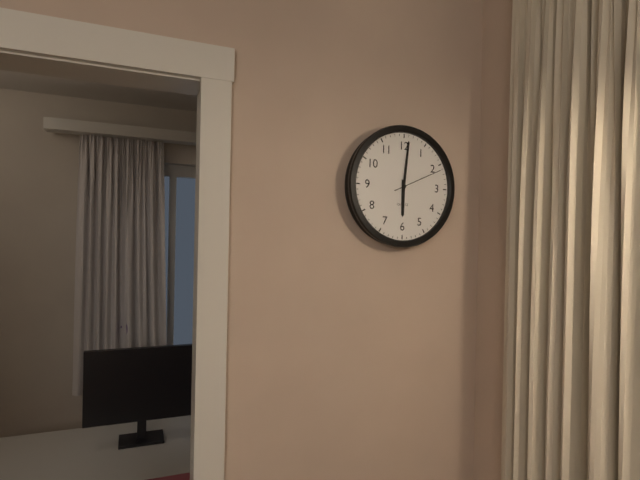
**6:01:11**
